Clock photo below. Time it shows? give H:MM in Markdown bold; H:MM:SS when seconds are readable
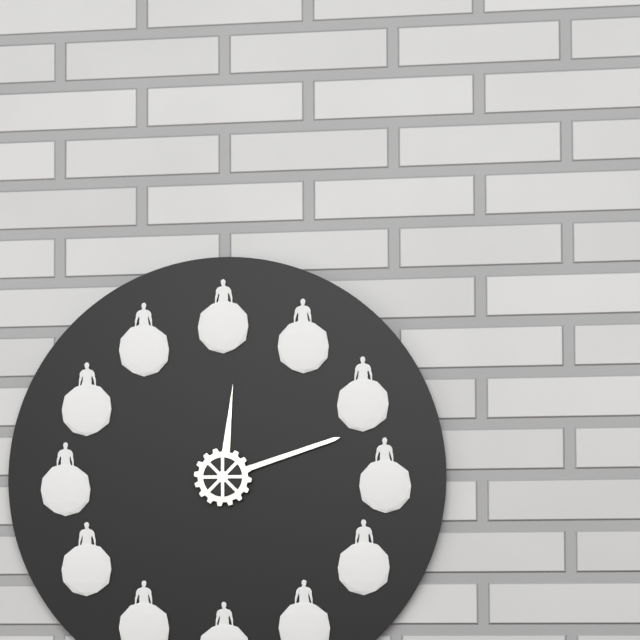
**12:12**
